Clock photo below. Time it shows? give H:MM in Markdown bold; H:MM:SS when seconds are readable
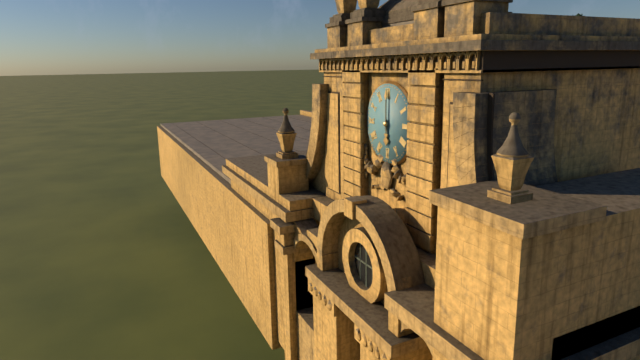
**6:00**
